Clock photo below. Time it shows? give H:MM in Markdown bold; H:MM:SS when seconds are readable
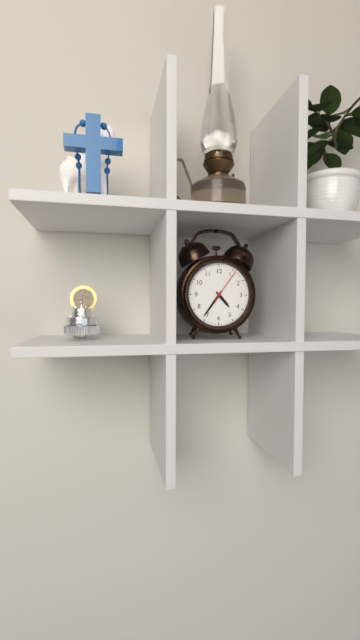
**4:36**
